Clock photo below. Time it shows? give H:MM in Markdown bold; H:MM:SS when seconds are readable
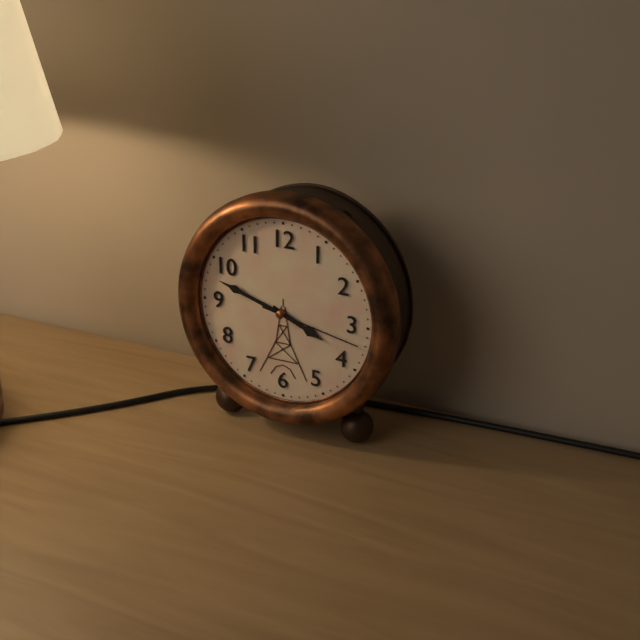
**3:48:17**
